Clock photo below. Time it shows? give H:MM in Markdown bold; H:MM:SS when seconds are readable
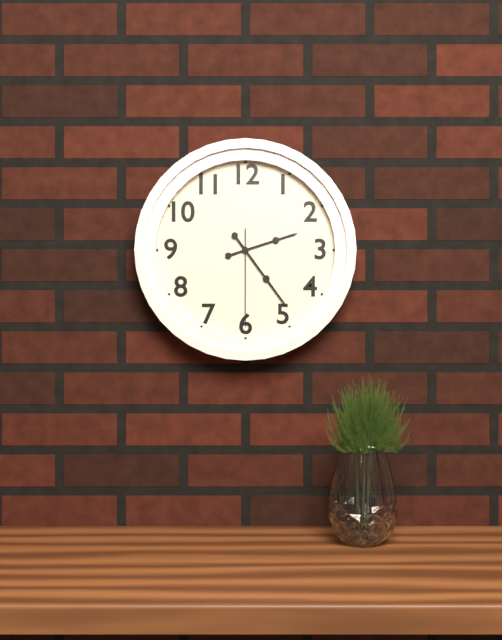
**2:24:30**
